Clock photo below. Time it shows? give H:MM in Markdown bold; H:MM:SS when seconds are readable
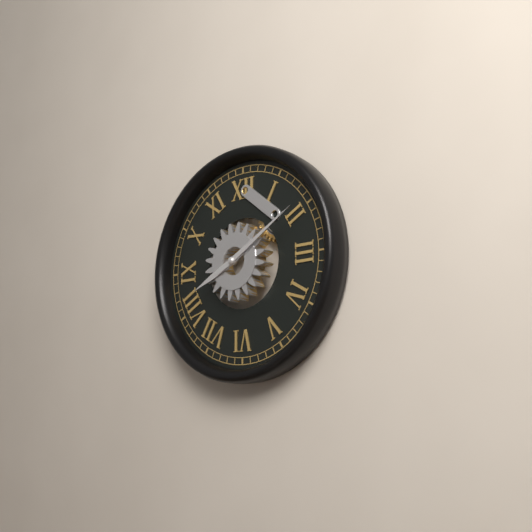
**8:10**
